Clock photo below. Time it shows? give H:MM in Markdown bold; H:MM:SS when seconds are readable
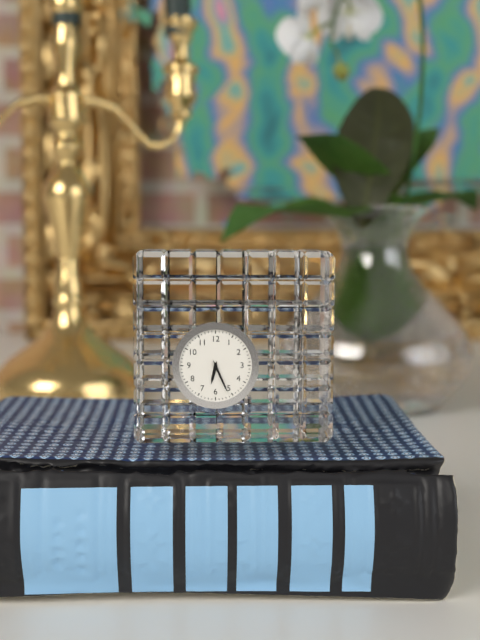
**6:26**
